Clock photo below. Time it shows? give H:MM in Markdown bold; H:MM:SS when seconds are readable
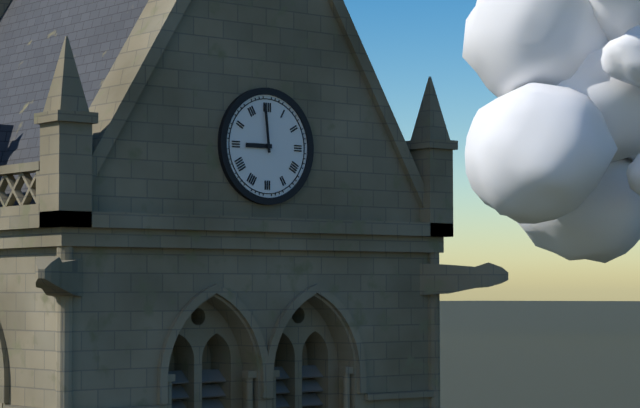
**8:59**
